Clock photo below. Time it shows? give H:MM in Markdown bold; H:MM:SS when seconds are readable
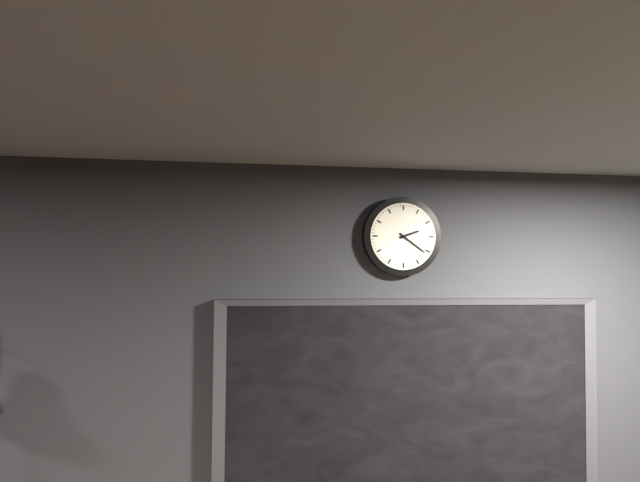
**2:21**
